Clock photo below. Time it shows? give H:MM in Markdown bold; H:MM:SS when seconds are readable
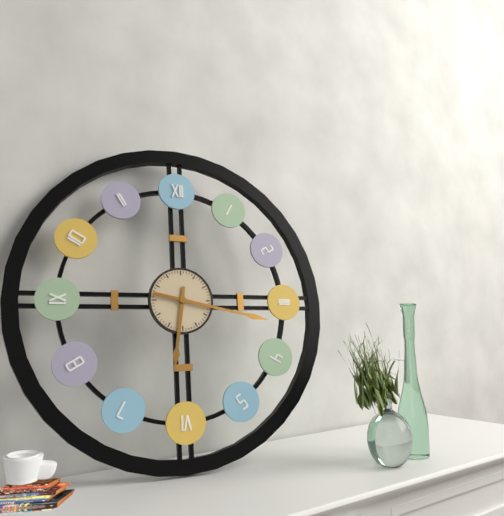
**6:17**
